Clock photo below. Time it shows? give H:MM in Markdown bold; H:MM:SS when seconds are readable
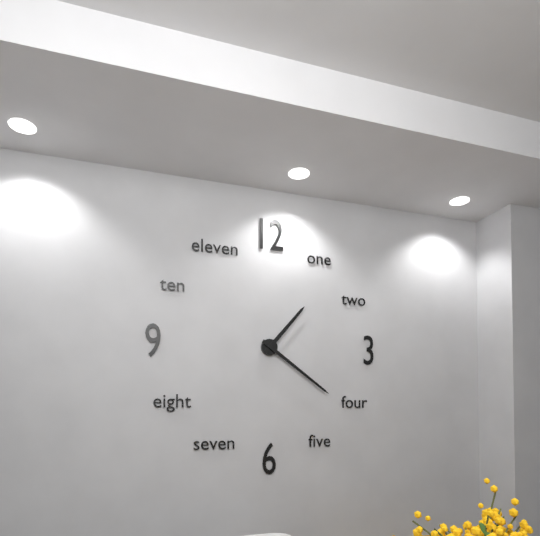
**1:21**
